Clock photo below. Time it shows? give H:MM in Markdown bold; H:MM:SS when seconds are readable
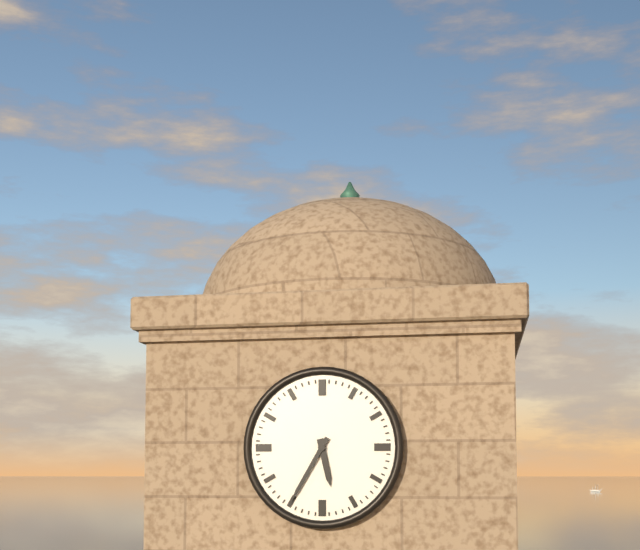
**5:35**
